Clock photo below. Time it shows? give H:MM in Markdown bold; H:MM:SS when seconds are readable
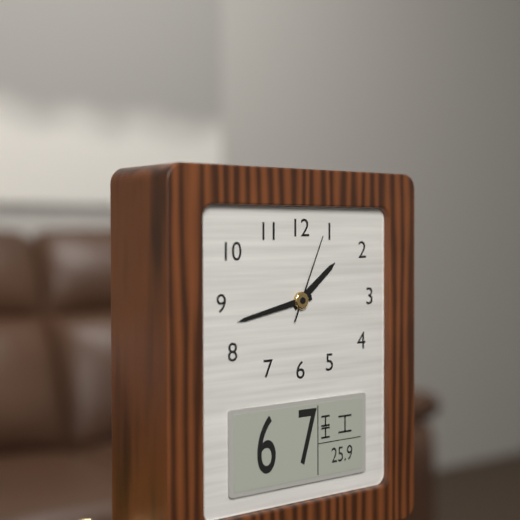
**1:43:04**
